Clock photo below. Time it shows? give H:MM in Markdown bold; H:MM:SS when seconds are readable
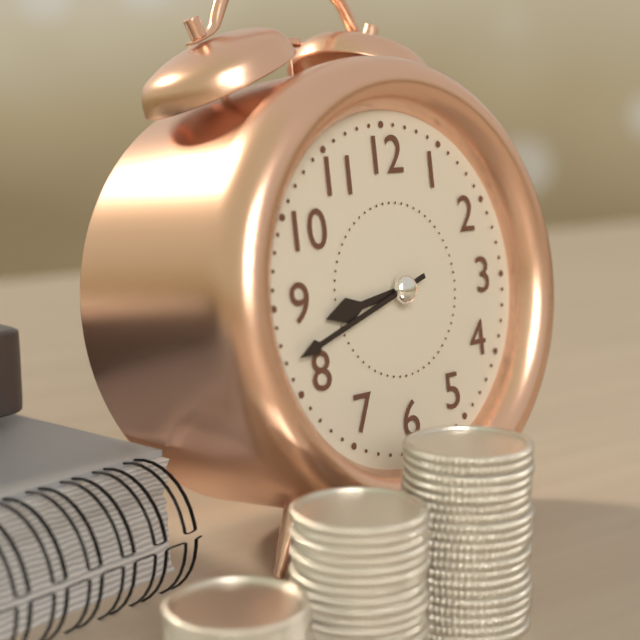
**8:42**
